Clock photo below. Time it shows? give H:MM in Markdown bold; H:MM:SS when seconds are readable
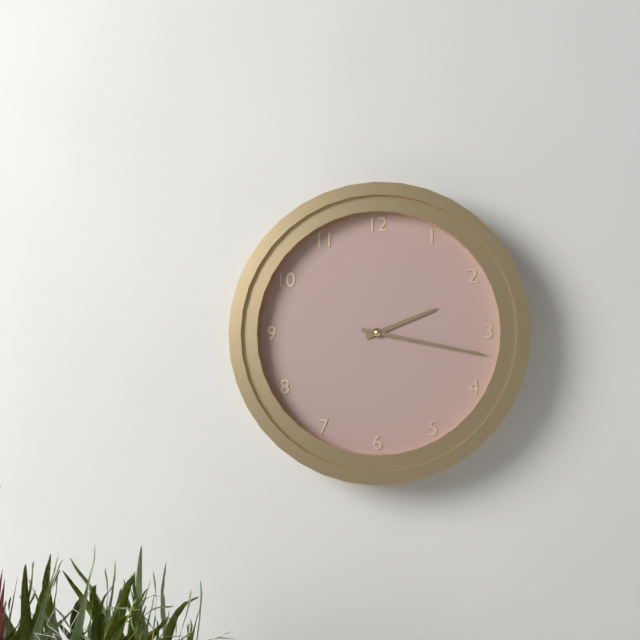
**2:17**
